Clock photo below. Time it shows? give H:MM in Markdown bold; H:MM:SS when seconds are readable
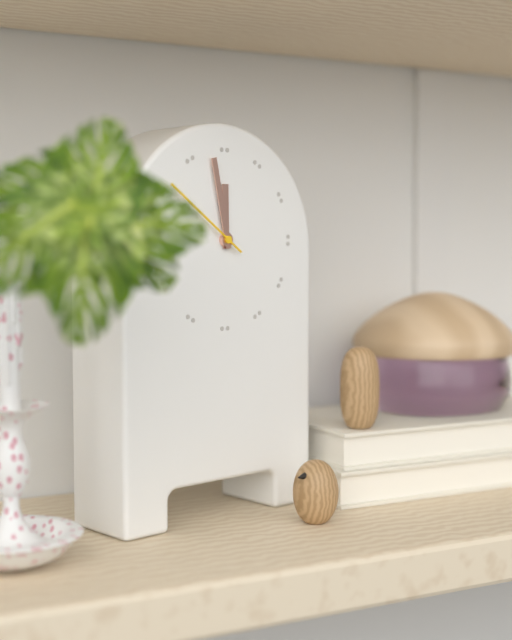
**11:58:51**
